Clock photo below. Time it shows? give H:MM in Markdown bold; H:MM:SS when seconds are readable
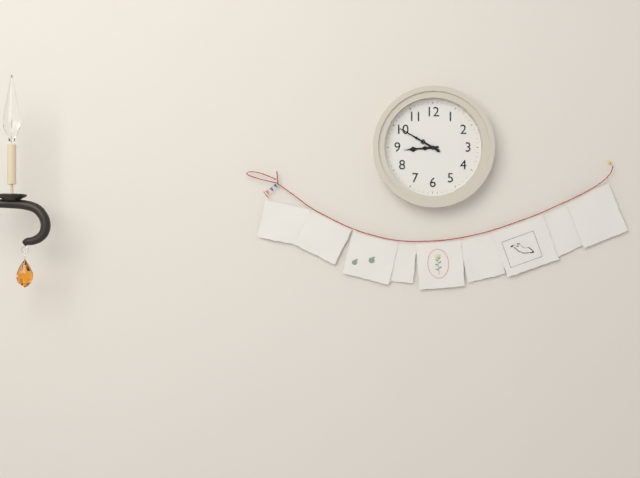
**8:50**
